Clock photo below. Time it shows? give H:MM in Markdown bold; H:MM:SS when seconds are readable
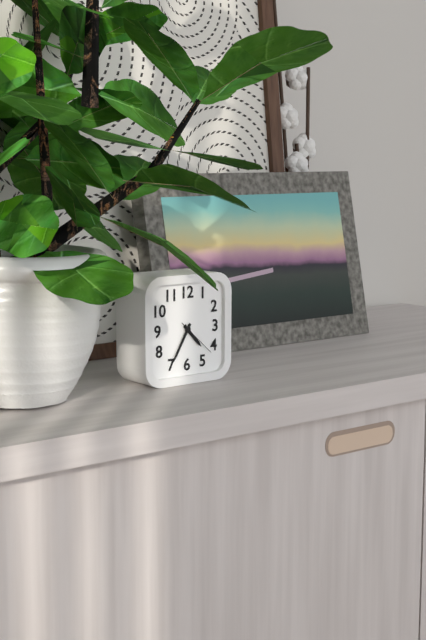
**4:35**
